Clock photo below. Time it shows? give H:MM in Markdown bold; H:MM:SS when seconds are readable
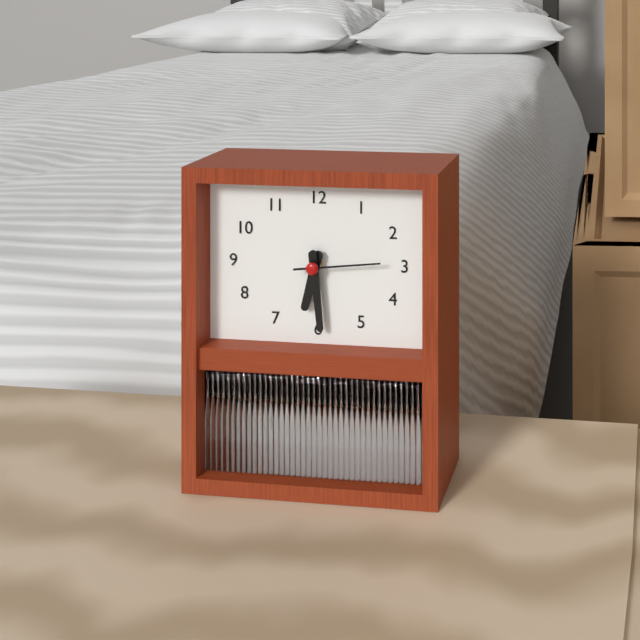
**6:29:14**
